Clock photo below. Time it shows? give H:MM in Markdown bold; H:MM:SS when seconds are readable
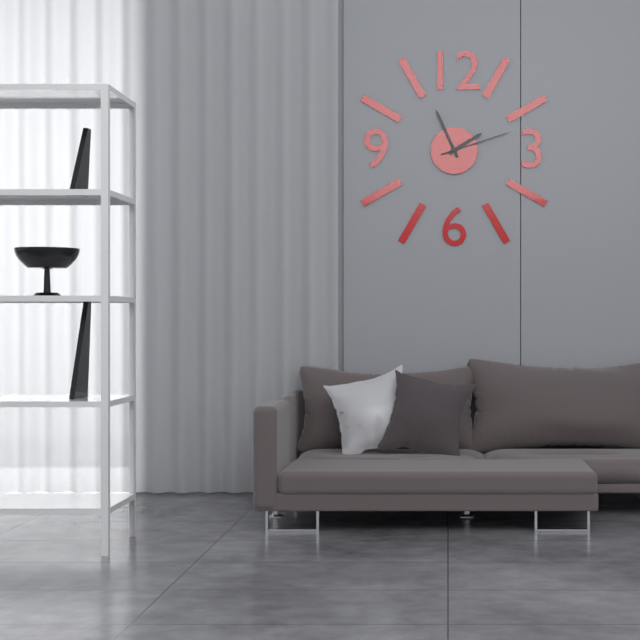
**1:56:12**
